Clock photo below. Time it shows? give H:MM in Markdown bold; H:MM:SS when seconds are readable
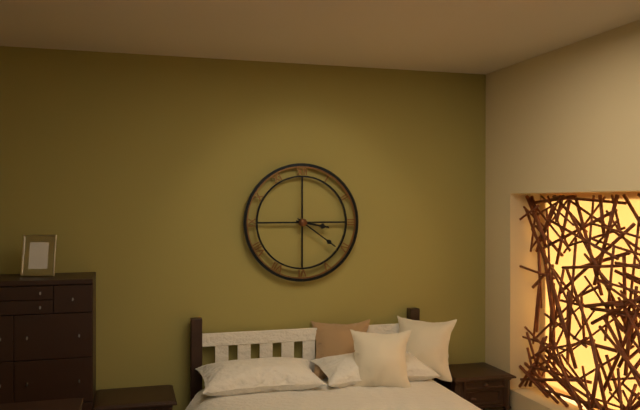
**3:21**
